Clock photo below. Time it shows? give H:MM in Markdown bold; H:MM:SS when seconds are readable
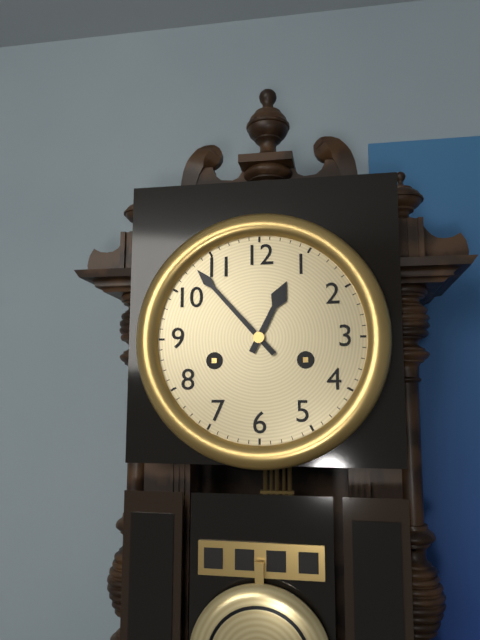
**12:53**
